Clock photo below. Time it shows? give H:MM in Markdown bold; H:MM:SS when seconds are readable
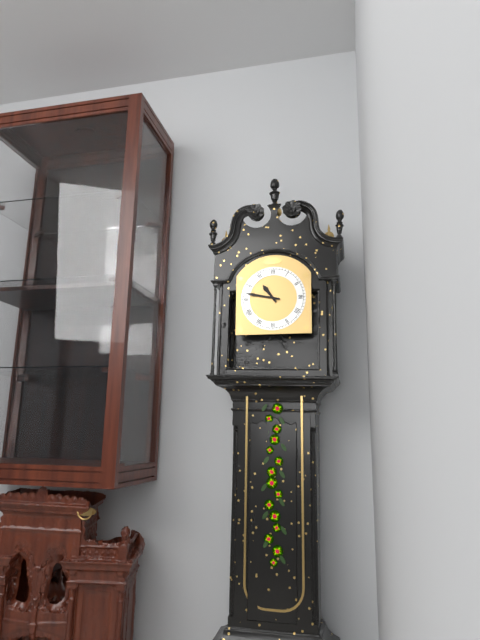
**10:47**
